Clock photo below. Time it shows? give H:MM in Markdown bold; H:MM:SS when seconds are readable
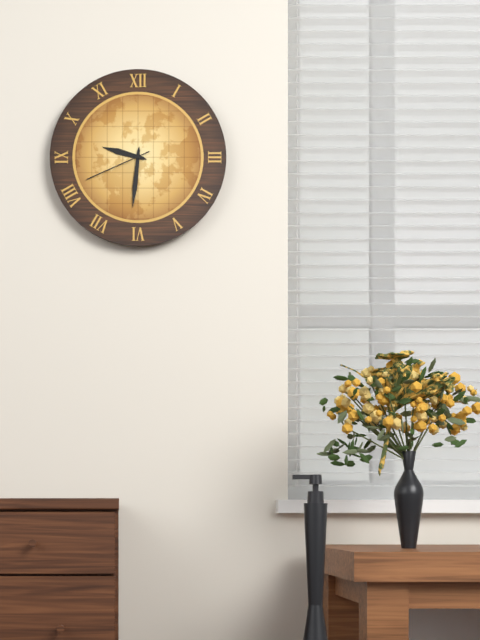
**9:31:41**
